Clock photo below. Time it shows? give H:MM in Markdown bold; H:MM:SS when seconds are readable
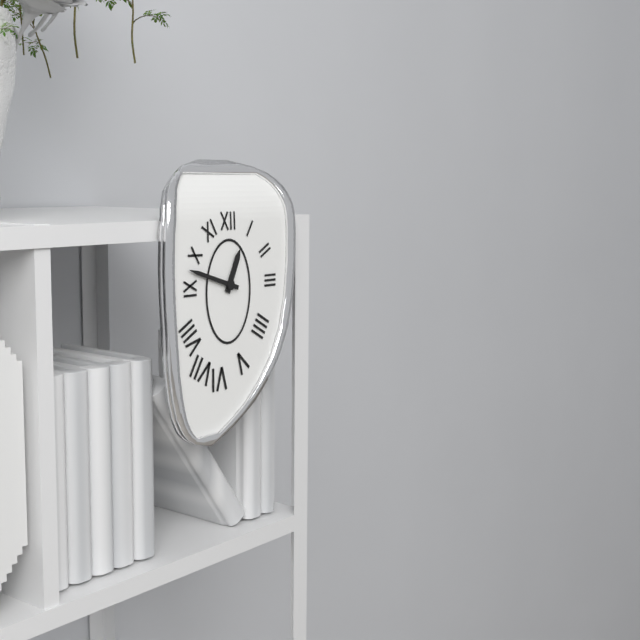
**12:48**
